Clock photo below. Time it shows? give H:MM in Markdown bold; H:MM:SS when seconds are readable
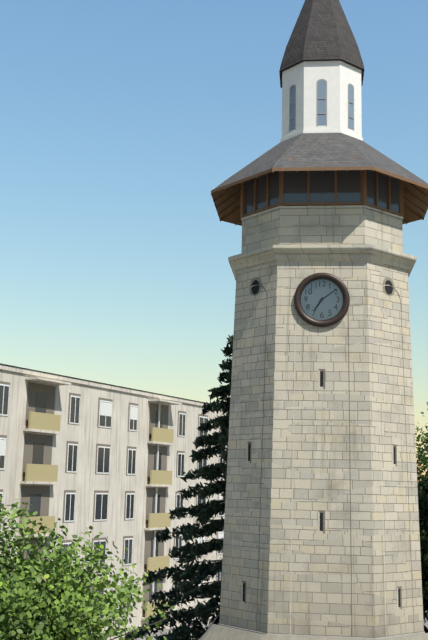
**7:09**
